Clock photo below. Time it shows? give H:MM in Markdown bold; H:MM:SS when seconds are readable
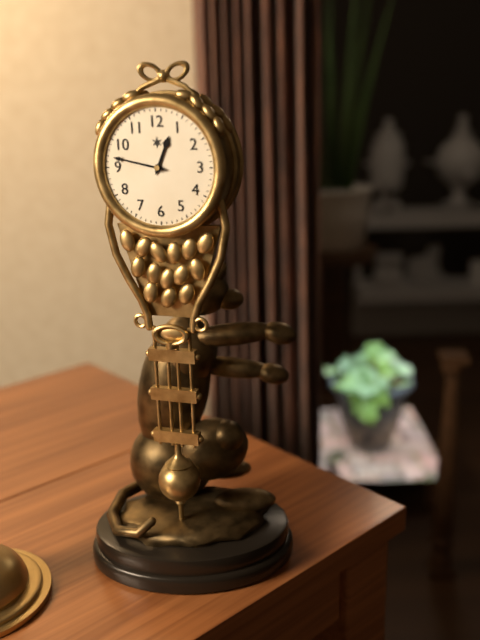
**12:47**
